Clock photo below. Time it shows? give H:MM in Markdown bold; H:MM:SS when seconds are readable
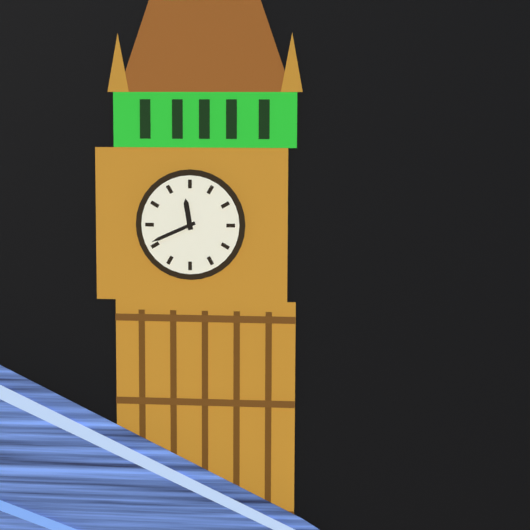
**11:41**
